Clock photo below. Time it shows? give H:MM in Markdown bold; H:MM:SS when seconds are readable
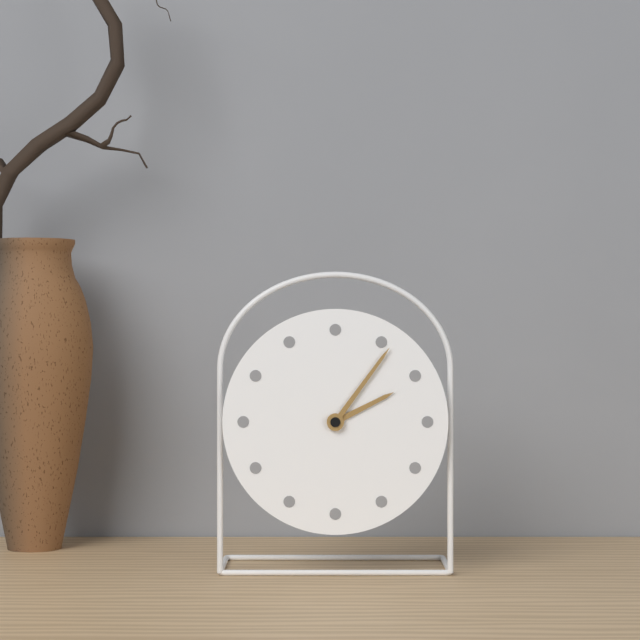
**2:06**
